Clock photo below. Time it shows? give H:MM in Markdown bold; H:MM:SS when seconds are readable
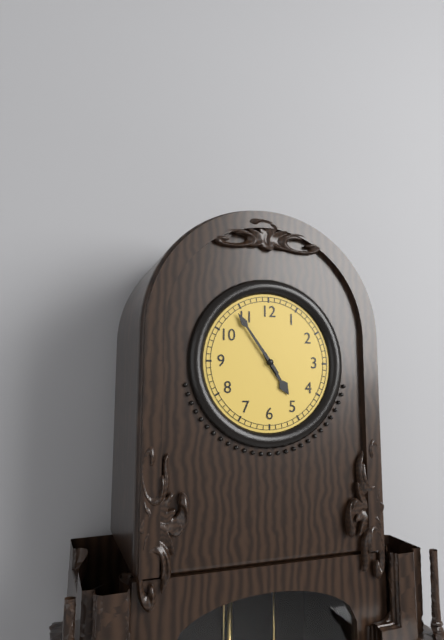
**4:54**
